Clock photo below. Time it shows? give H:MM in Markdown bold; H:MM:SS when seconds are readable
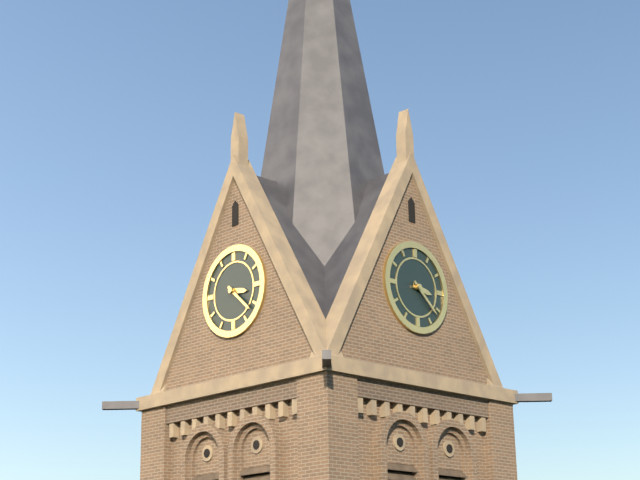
**3:22**
